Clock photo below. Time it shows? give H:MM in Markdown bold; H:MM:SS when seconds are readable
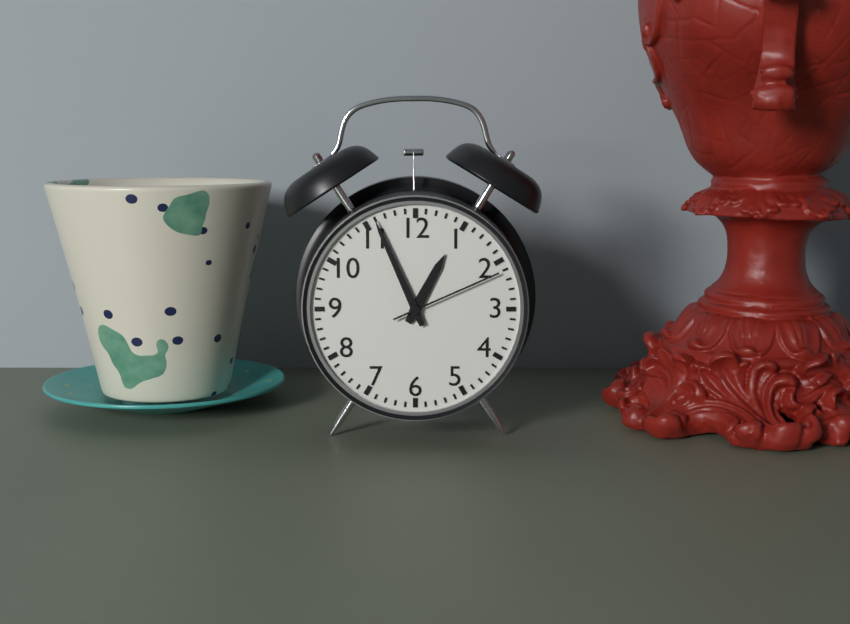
**12:56:11**
